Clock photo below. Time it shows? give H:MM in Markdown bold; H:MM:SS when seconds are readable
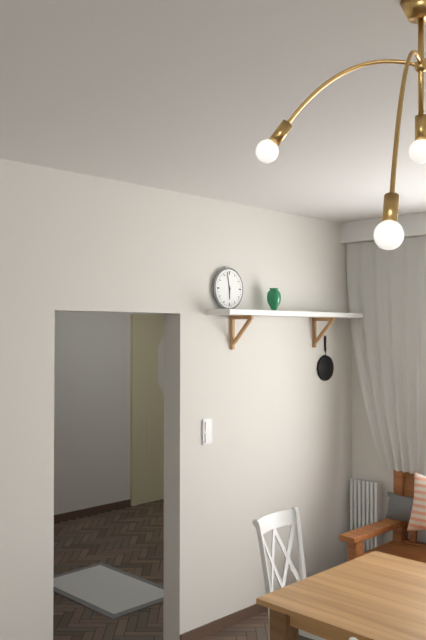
**5:58**
